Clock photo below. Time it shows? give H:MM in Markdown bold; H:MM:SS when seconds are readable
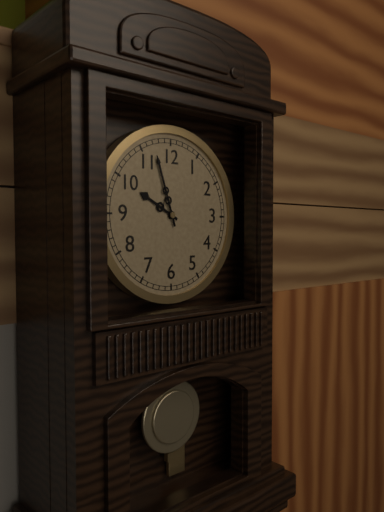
**9:57**
